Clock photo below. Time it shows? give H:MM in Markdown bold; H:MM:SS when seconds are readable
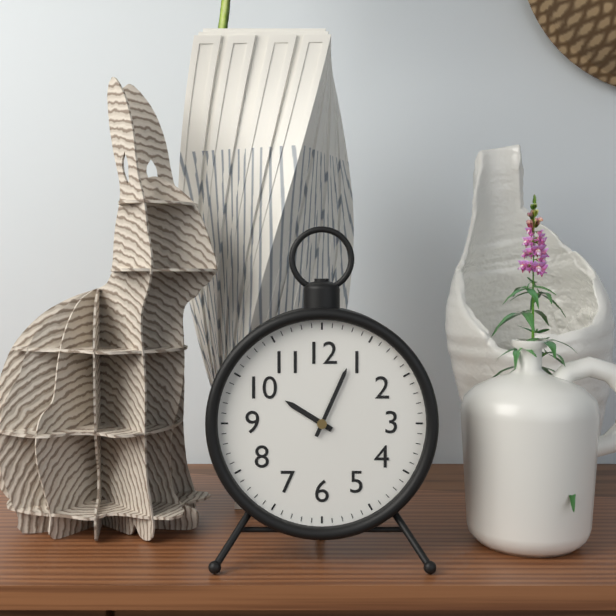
**10:04**
